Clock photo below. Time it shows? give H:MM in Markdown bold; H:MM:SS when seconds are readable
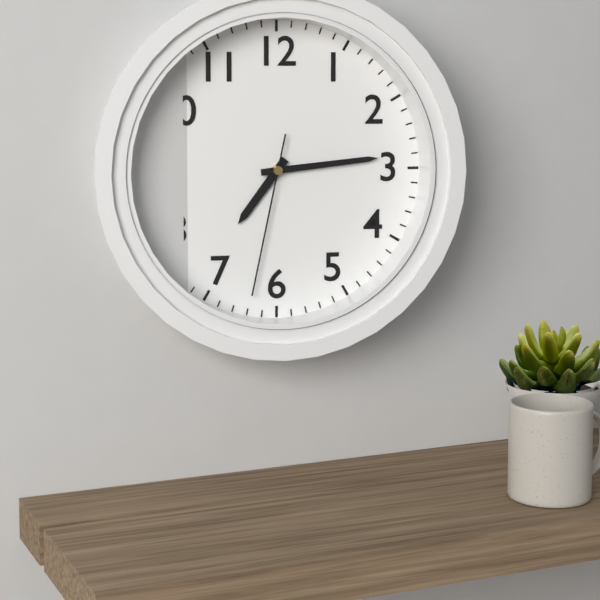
**7:14:32**
